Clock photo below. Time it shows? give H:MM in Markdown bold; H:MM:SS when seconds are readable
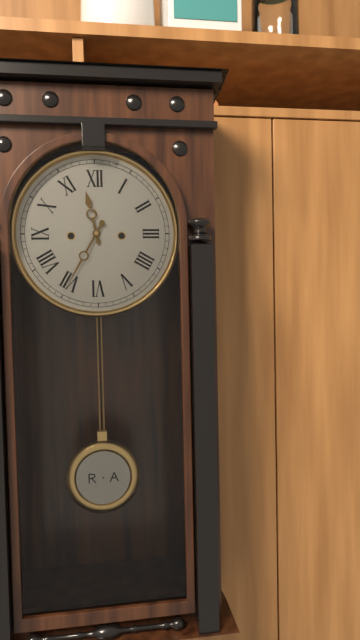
**11:35**
